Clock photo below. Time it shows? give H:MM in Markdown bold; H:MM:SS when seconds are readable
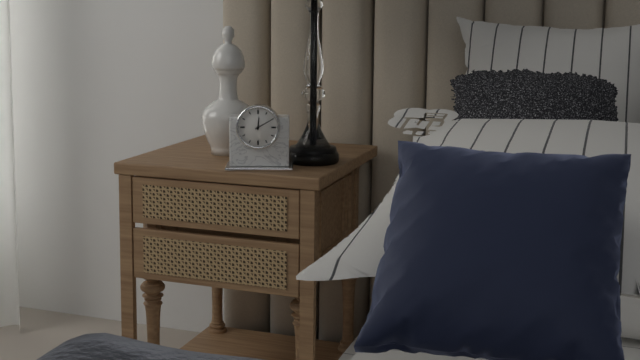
**12:10**
